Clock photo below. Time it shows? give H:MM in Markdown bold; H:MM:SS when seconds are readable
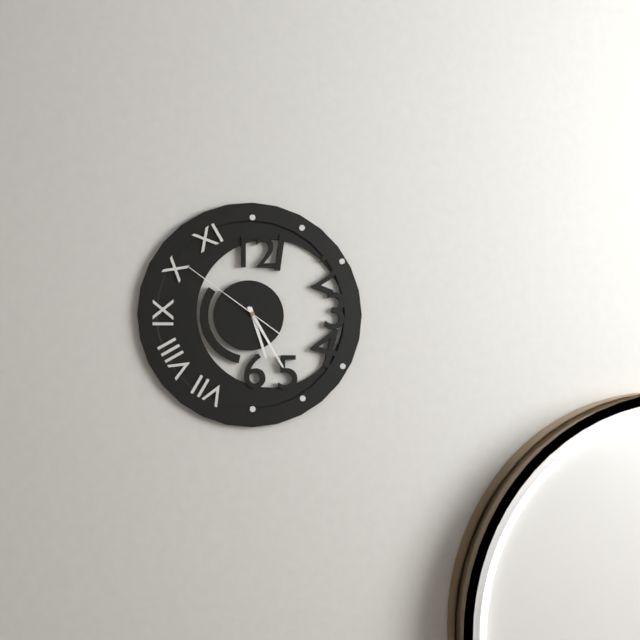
**5:25:51**
